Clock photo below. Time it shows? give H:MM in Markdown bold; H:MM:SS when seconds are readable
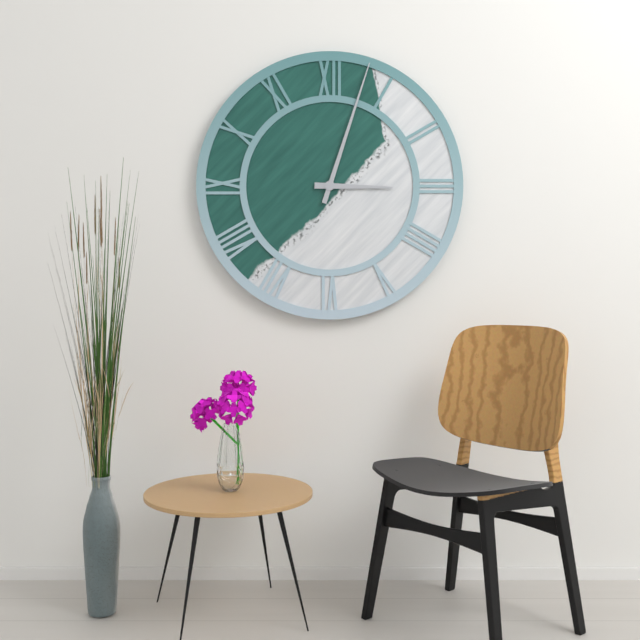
**3:03**
